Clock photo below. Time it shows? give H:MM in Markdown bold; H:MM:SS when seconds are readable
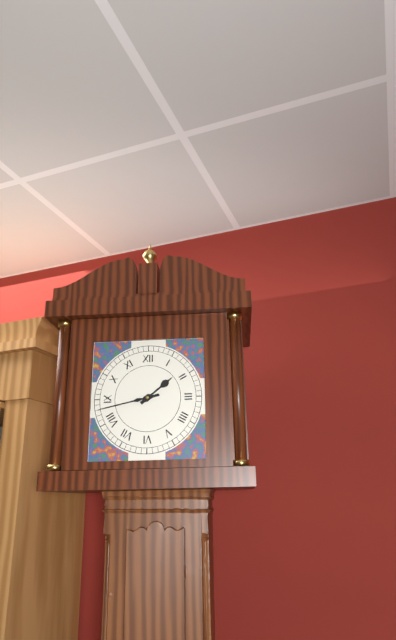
**1:43**
